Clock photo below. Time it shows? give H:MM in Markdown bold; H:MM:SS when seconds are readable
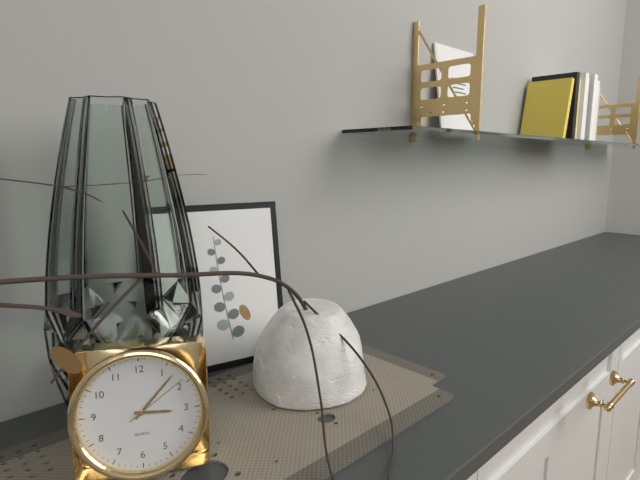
**3:07:09**
